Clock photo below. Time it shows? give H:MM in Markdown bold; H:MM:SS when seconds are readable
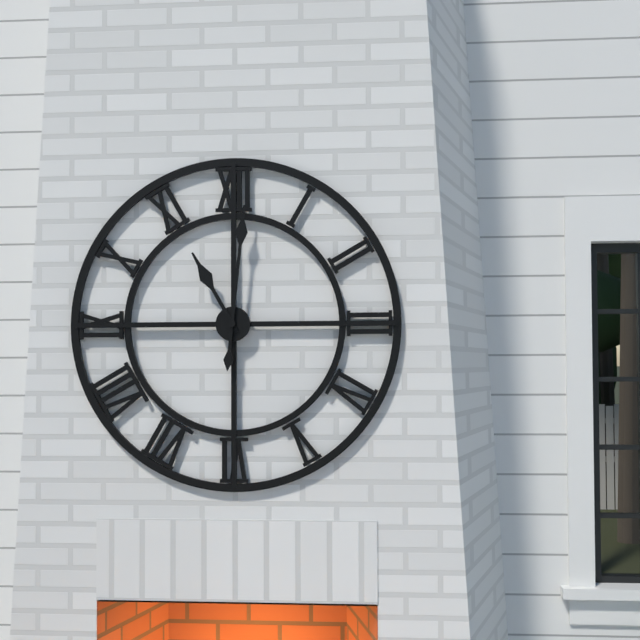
**11:01**
